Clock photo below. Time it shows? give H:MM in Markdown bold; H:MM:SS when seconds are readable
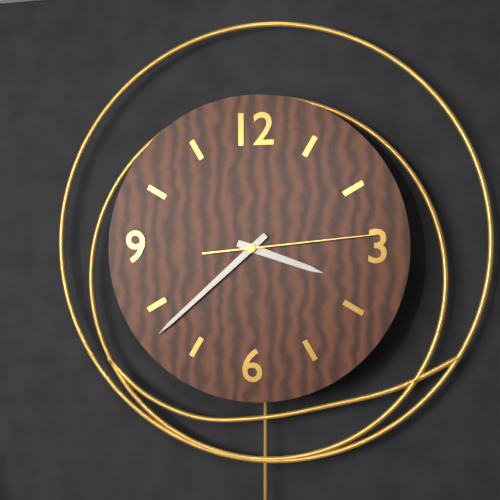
**3:38:14**
